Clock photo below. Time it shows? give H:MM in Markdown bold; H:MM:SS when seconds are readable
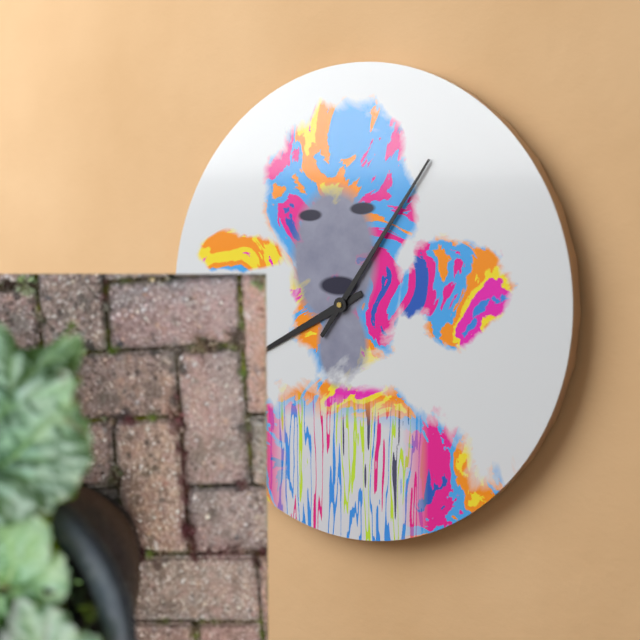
**8:06**
